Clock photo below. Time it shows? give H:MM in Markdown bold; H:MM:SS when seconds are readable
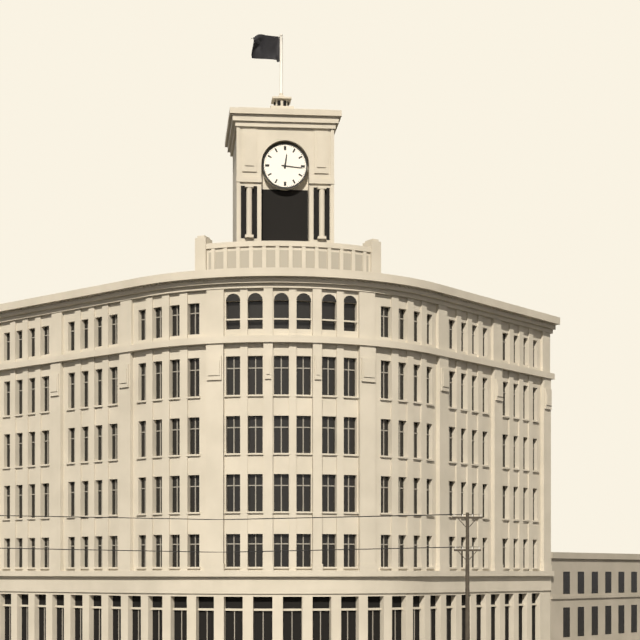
**12:16**
